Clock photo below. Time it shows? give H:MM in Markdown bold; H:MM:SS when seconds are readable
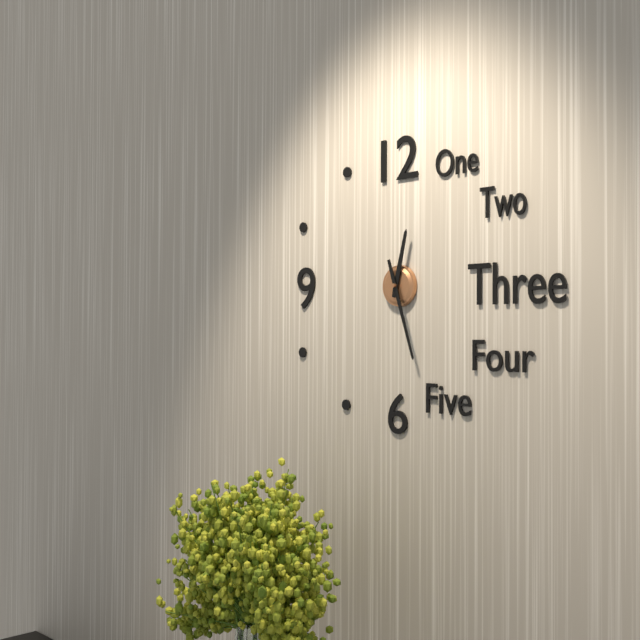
**12:27**
